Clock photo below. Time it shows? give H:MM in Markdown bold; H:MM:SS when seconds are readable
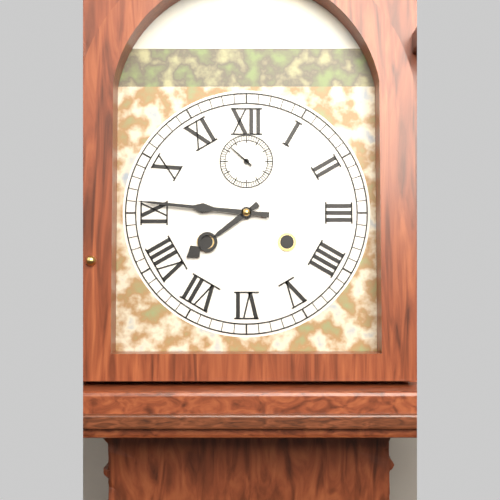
**7:46**
